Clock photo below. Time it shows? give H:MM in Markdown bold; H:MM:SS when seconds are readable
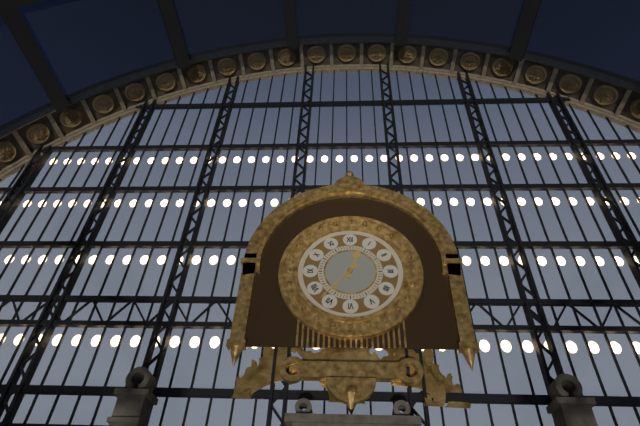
**12:37**
